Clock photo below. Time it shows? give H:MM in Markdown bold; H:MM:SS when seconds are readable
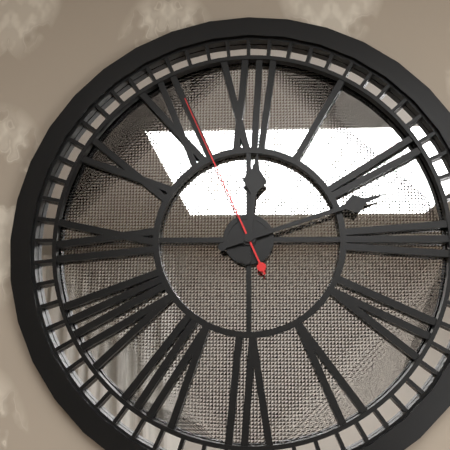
**12:12:56**
